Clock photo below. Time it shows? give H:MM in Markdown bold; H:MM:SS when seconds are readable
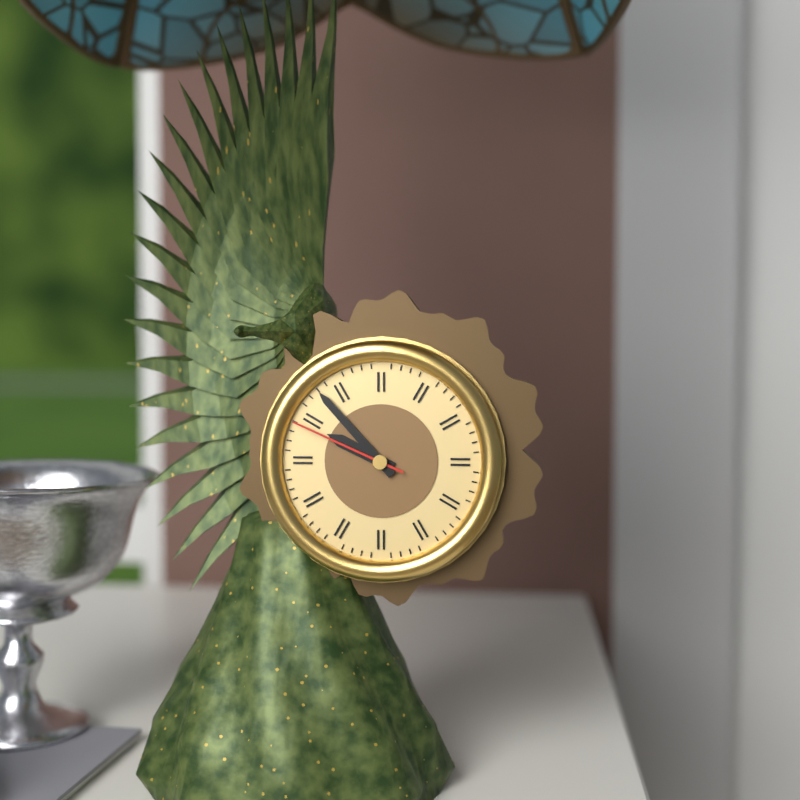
**9:53:49**
